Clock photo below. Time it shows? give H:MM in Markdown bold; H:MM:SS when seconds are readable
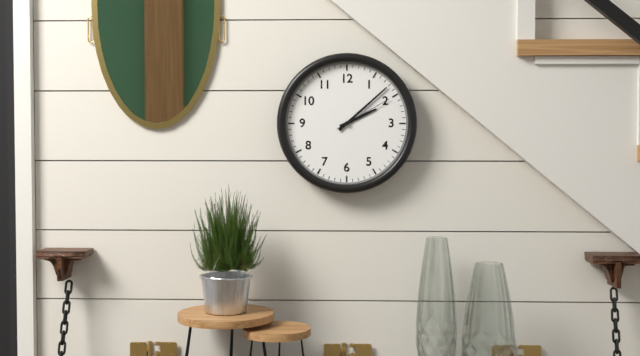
**2:08:10**
